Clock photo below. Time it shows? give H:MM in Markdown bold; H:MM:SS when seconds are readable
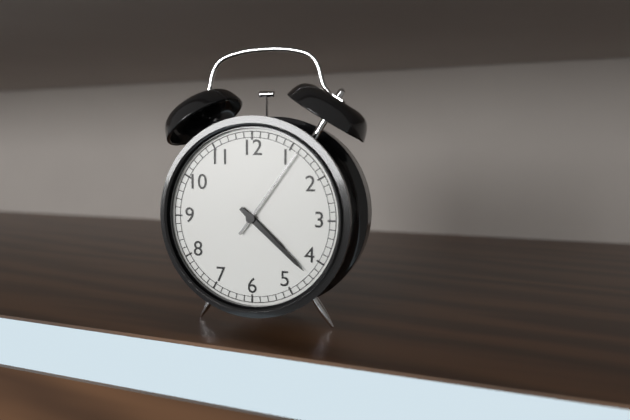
**4:22:06**
